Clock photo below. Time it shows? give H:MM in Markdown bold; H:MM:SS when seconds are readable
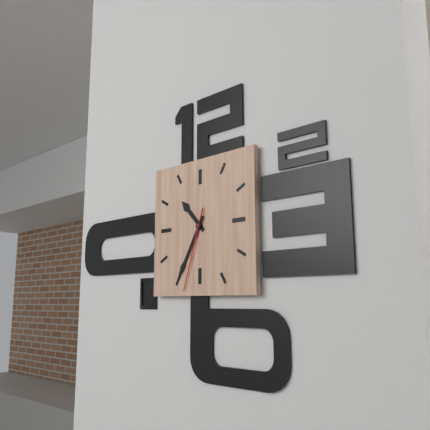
**10:35:33**
